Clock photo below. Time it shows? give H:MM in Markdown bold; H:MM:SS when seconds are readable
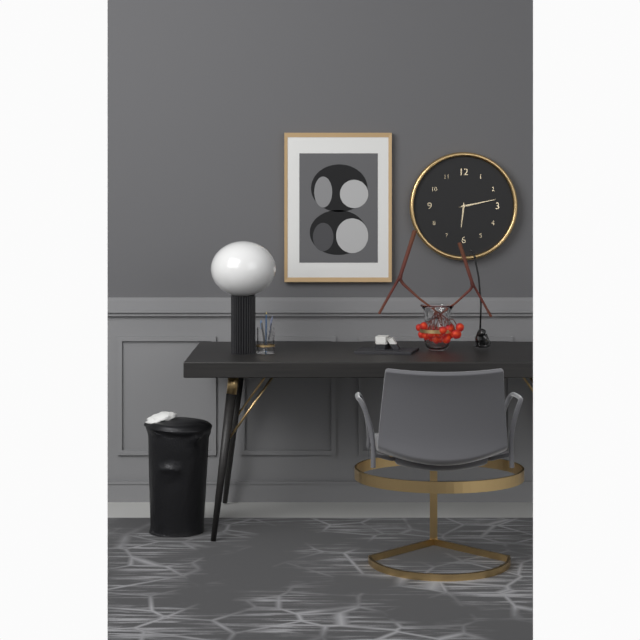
**6:13**
